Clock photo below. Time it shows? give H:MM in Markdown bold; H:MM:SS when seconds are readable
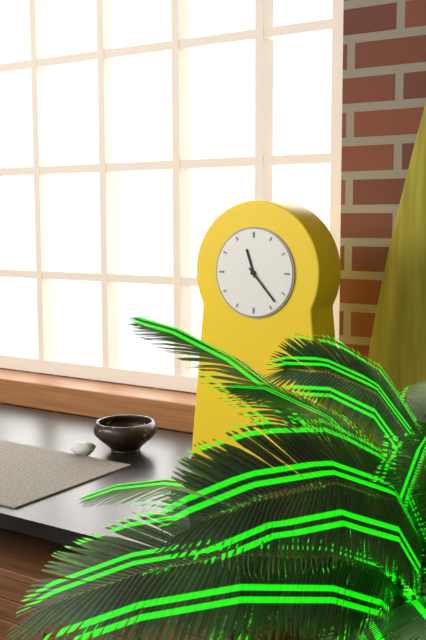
**11:23**
